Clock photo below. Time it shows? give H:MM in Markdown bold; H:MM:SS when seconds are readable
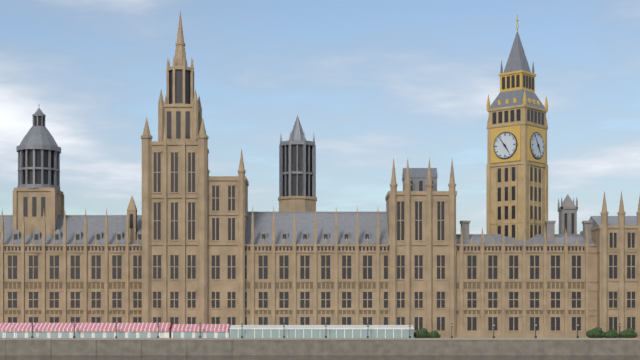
**4:54**
